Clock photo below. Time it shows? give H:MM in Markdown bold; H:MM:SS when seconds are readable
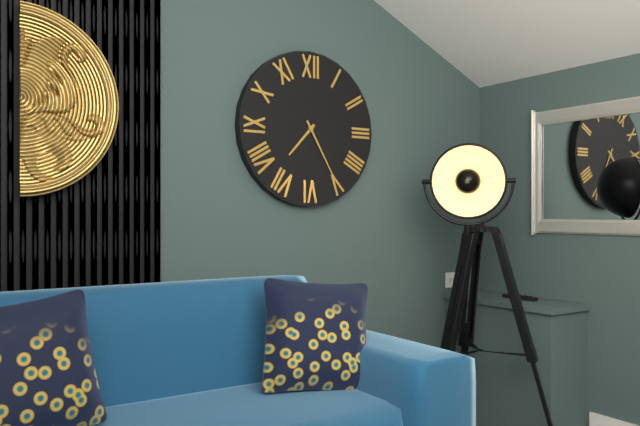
**7:25**
